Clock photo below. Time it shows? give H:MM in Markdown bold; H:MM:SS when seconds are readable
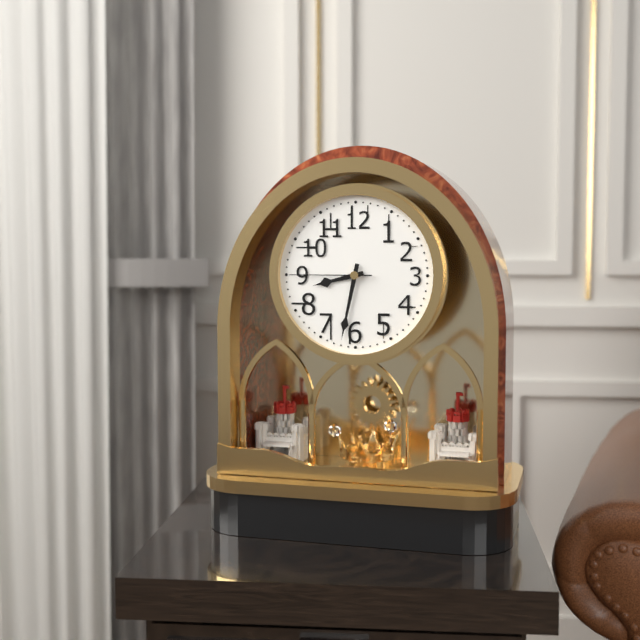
**8:32:45**
